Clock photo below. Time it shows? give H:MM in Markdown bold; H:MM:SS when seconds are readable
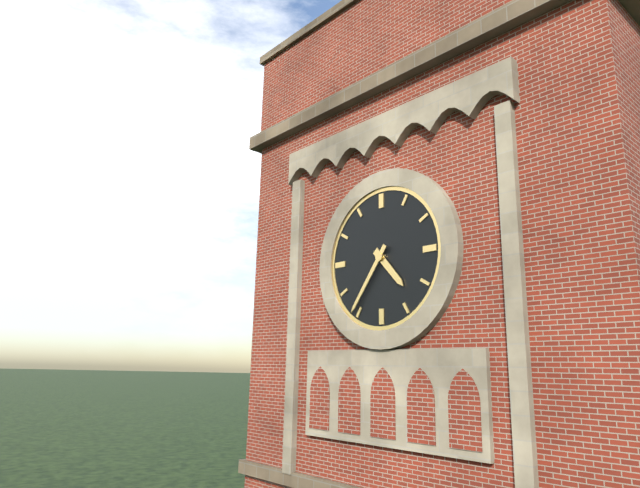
**4:36**
